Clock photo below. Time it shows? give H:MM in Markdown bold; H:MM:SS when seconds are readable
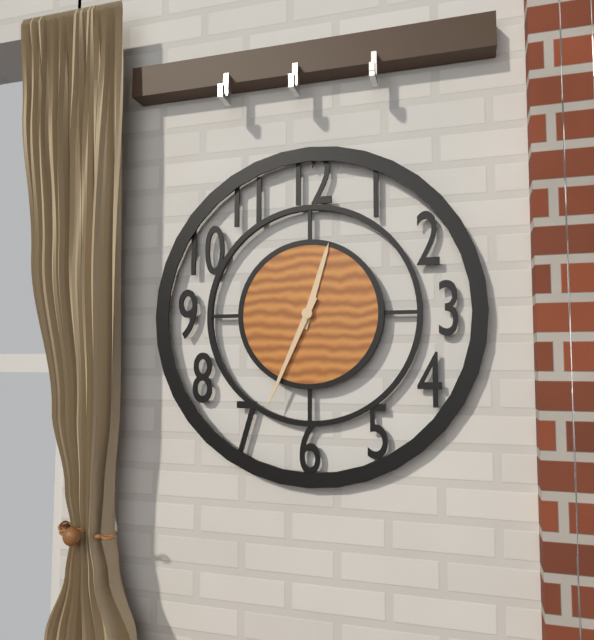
**12:34**
